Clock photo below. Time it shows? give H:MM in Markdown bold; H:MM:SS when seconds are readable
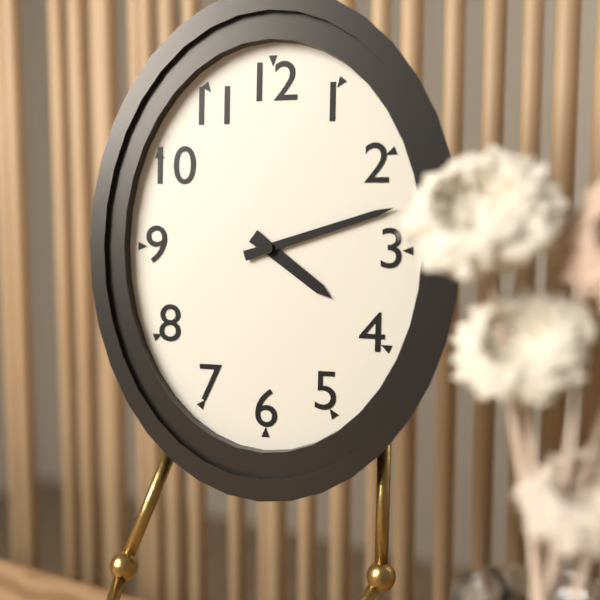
**4:12**
